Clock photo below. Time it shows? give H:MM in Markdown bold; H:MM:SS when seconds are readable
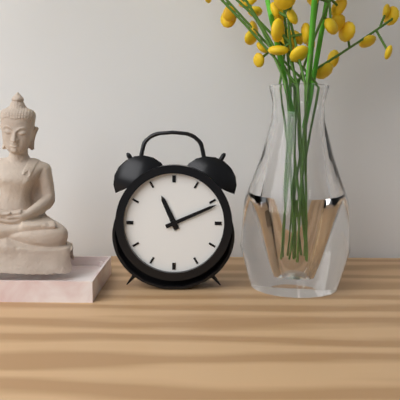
**11:11**
